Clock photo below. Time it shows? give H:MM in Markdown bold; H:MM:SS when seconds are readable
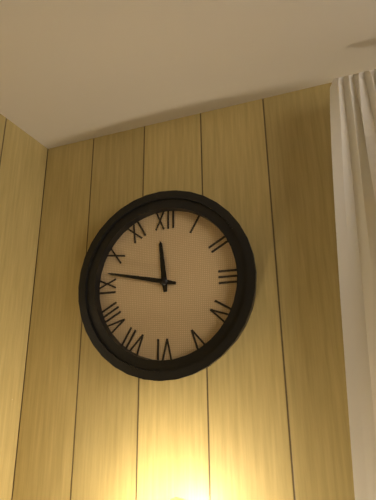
**11:47**
